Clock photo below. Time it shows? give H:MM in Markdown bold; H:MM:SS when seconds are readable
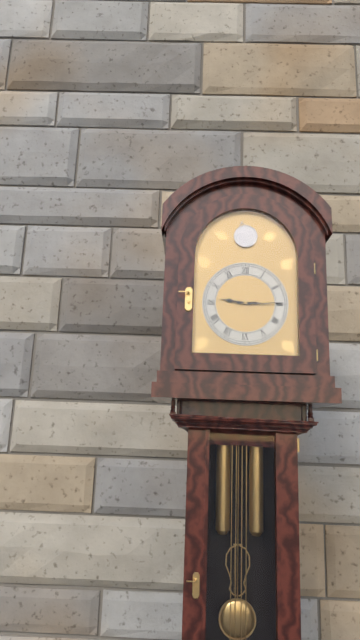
**9:15**
